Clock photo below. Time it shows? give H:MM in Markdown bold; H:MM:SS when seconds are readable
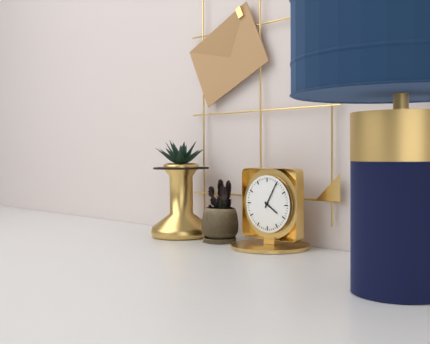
**4:05**
